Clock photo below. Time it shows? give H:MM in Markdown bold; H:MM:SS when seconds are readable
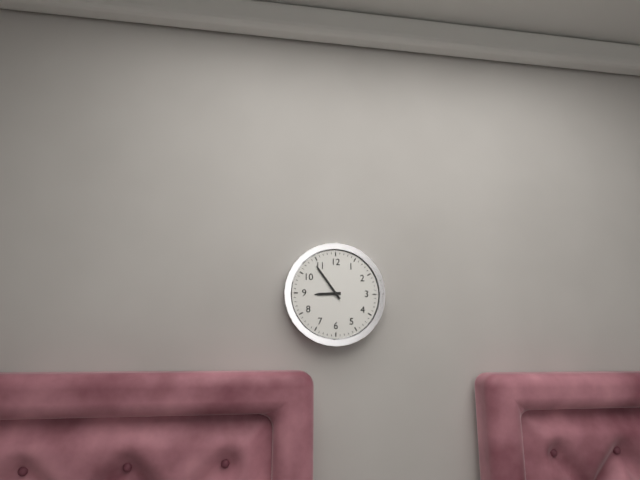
**8:54**
